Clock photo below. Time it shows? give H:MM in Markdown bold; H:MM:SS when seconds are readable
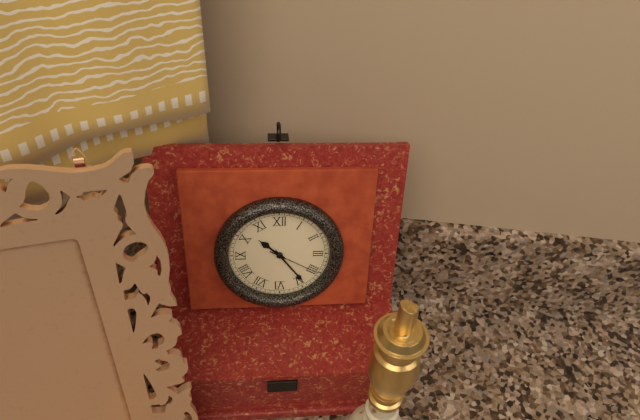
**10:24:20**
